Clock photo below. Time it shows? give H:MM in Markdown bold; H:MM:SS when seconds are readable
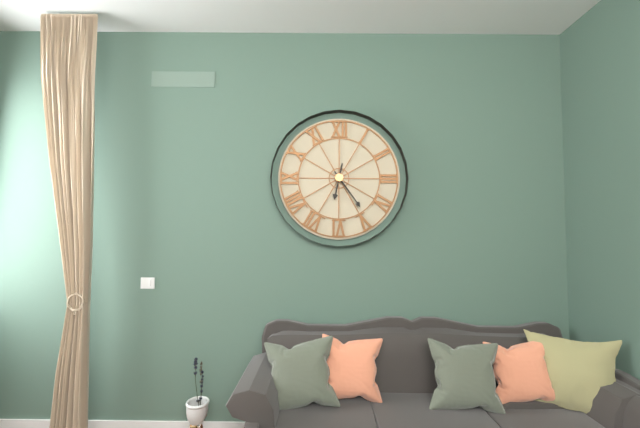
**6:24**
